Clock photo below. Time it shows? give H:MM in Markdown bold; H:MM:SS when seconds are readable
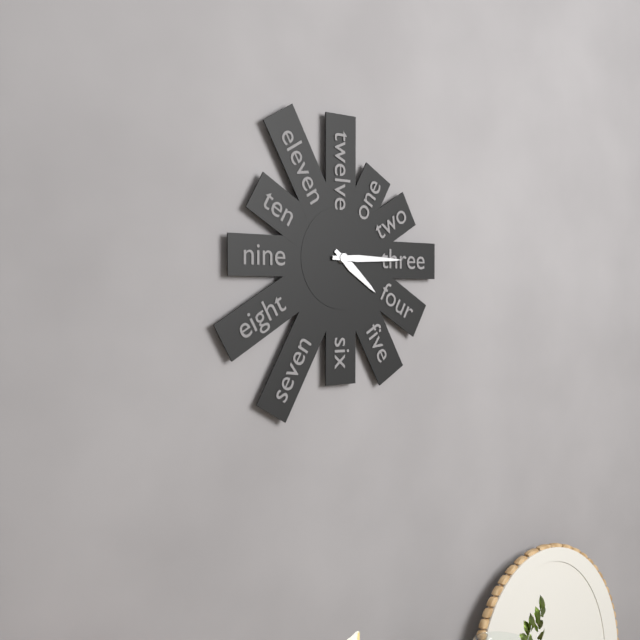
**4:15**
